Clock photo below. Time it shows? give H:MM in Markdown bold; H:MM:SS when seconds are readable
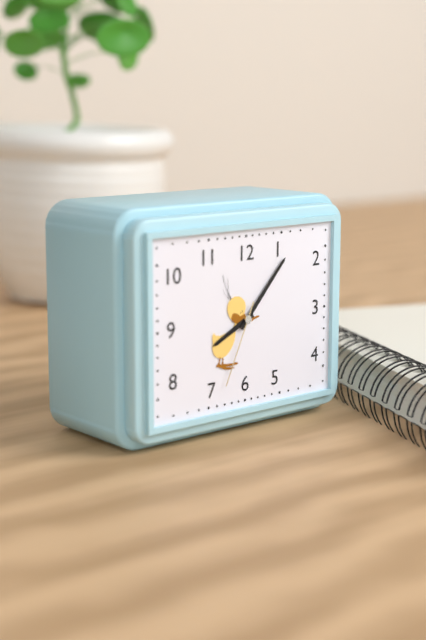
**8:07:34**
